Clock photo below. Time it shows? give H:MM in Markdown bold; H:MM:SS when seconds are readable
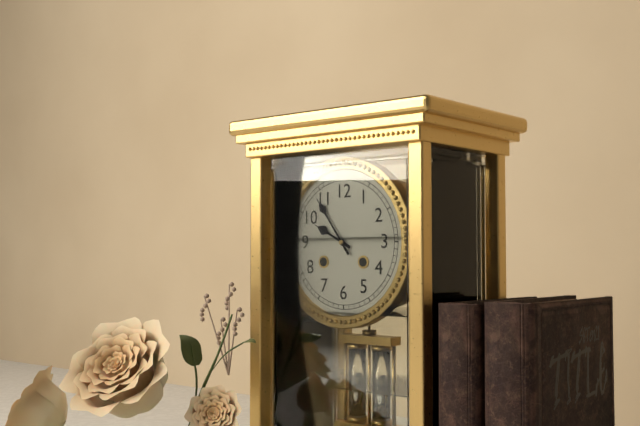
**9:54**
